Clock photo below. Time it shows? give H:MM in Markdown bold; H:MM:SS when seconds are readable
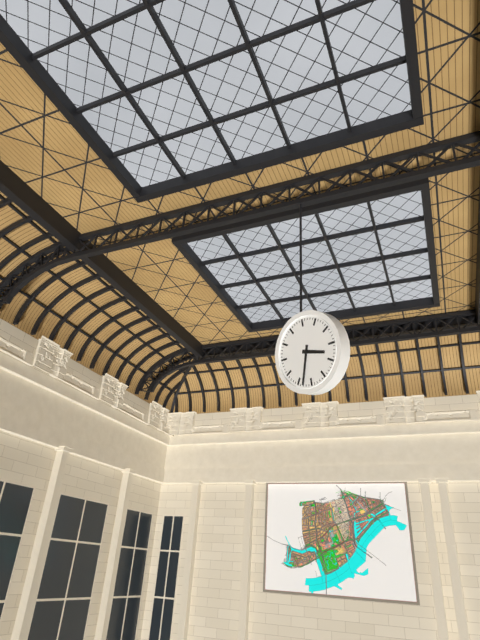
**3:33**
